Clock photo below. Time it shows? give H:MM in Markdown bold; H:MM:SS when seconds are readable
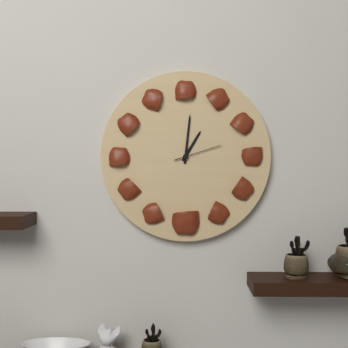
**1:01**
